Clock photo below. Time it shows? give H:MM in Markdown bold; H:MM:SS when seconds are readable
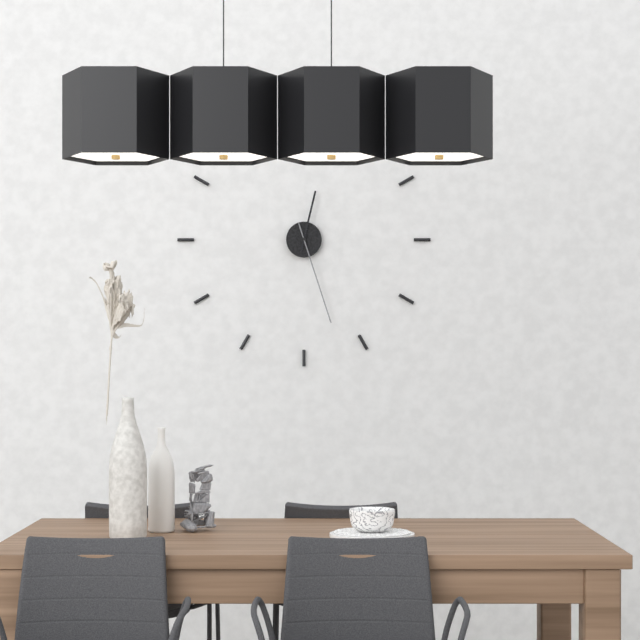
**12:27**
